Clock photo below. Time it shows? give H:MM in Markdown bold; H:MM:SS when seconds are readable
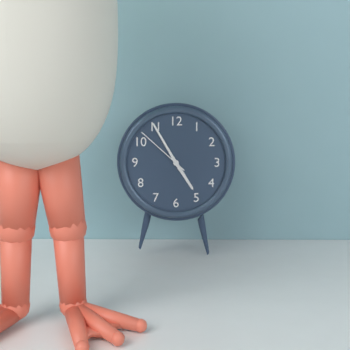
**4:55:52**
